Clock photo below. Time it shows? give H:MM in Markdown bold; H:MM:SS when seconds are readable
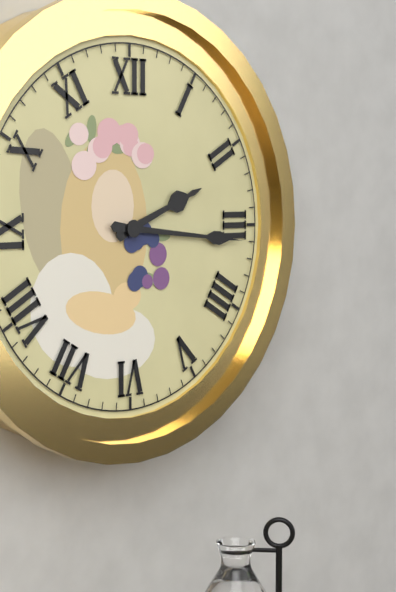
**2:16**
